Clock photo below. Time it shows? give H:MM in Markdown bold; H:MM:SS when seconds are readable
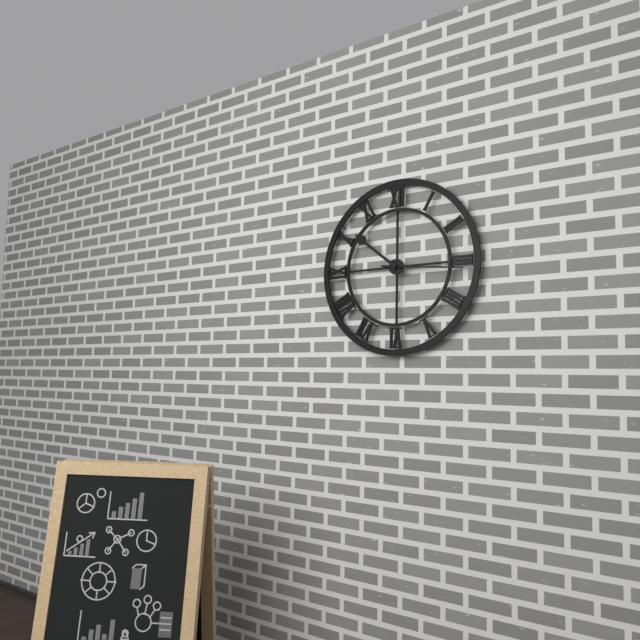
**10:16**
